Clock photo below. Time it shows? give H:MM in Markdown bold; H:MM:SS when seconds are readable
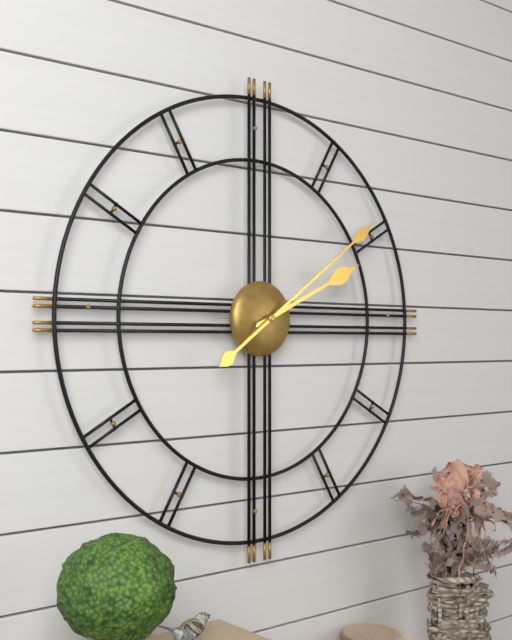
**2:09**
